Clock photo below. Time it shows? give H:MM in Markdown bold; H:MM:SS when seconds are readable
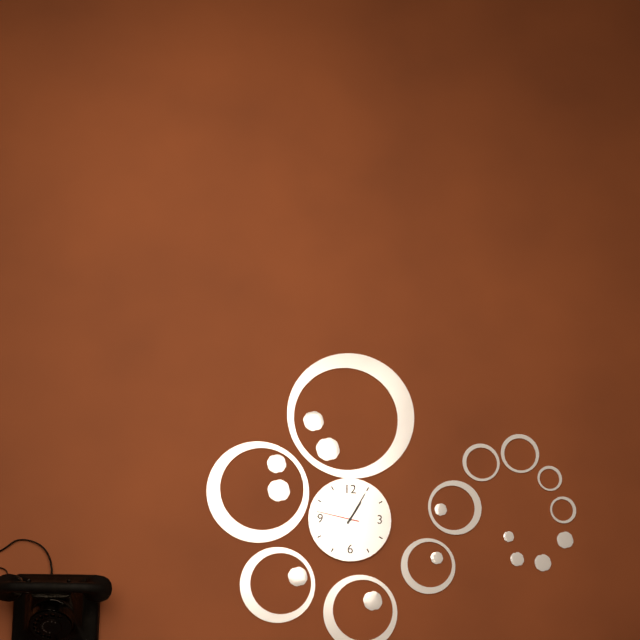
**1:05**
